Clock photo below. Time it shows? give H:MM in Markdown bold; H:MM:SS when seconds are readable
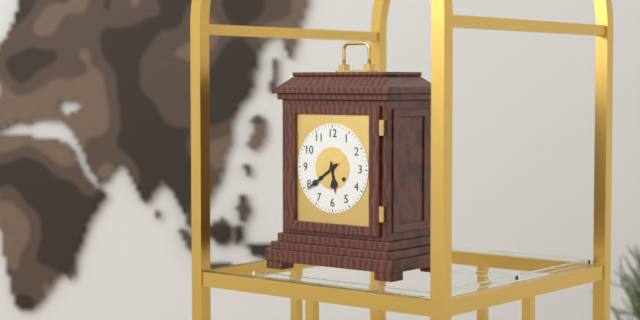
**5:39**
